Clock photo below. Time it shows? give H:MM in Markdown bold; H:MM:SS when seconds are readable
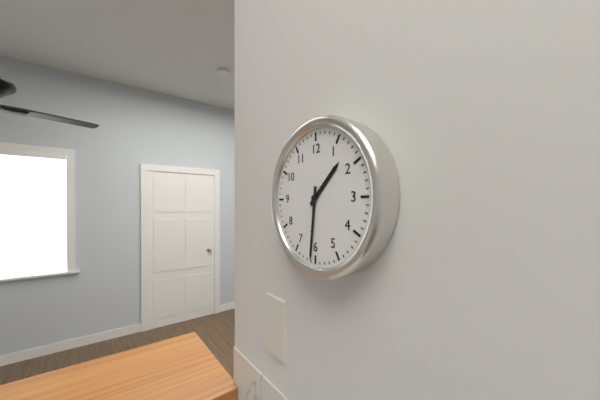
**1:31**
